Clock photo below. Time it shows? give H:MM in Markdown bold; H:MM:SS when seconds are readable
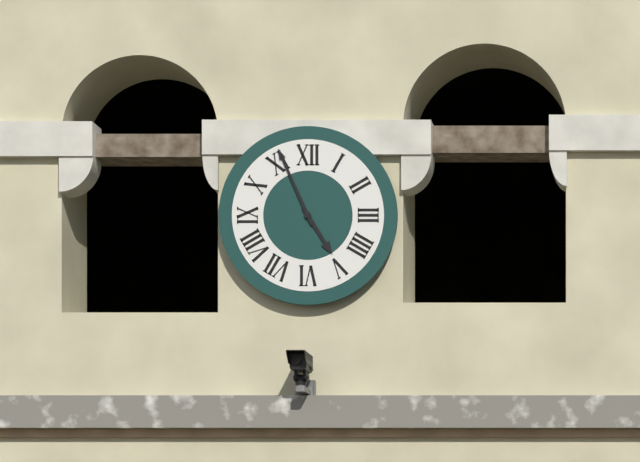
**4:56**
